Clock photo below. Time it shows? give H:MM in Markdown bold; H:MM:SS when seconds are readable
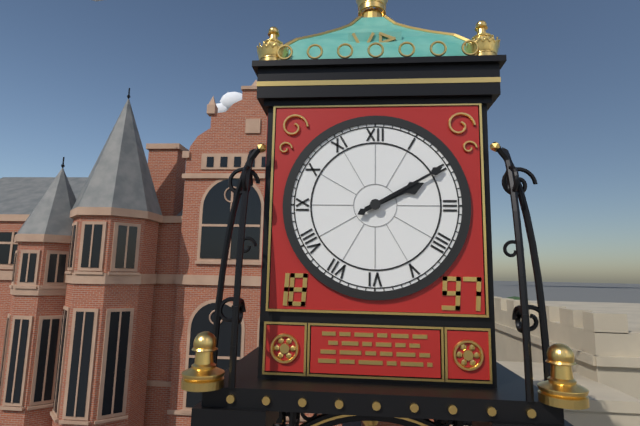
**2:10**
